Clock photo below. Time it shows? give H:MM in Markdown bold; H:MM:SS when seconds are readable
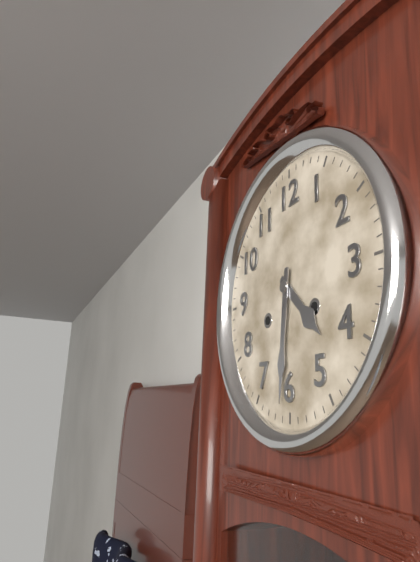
**4:31**
